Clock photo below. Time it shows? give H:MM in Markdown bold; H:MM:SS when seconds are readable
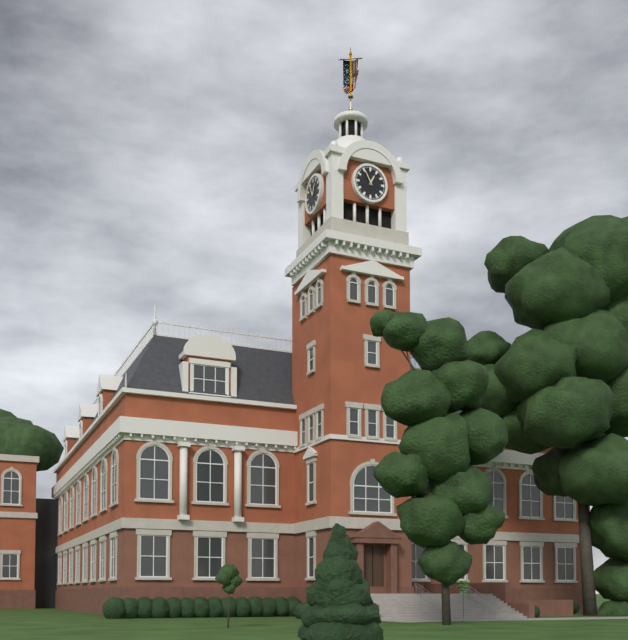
**12:55**
